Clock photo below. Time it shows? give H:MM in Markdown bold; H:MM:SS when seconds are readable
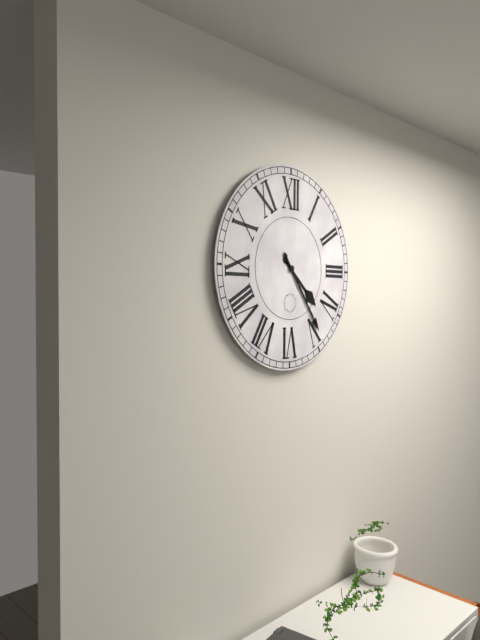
**4:24**
